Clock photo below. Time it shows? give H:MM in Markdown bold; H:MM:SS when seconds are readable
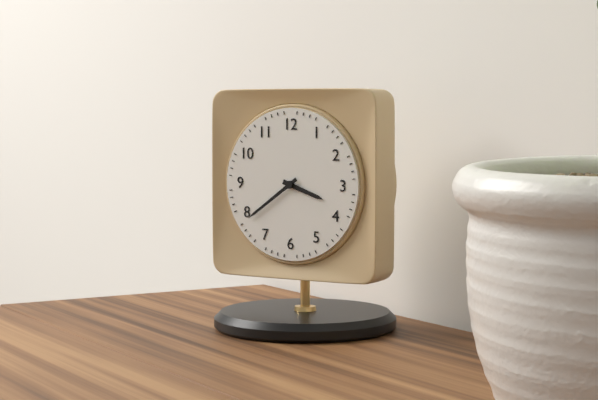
**3:39**
